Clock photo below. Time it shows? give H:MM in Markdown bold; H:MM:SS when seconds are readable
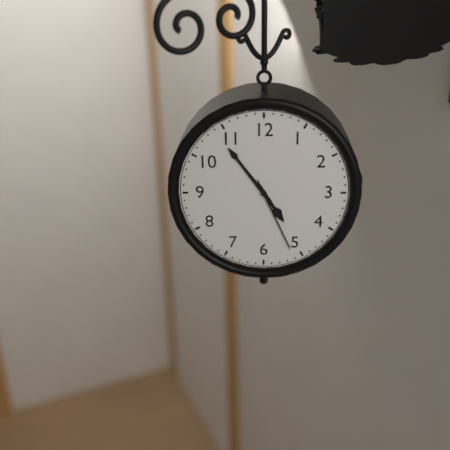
**4:54:26**
